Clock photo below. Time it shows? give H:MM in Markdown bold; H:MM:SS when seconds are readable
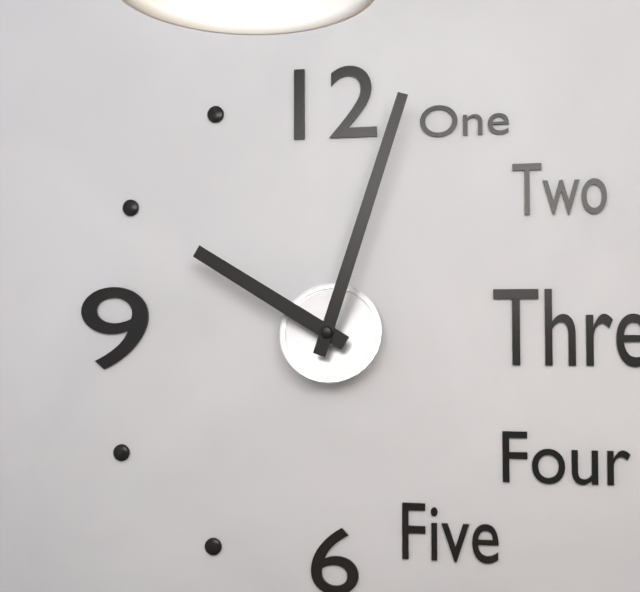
**10:03**
